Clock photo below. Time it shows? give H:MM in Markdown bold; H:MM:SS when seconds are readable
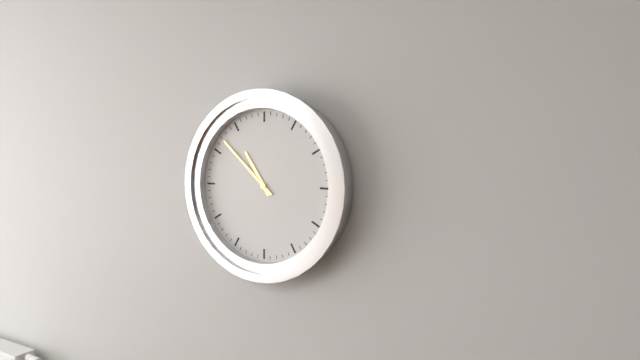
**10:52**
